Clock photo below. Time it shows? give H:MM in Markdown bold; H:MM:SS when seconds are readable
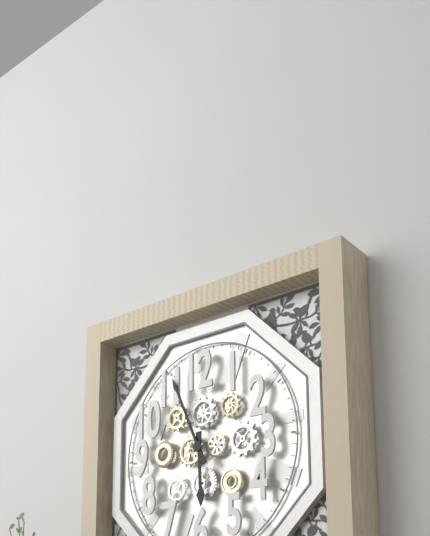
**5:56**
